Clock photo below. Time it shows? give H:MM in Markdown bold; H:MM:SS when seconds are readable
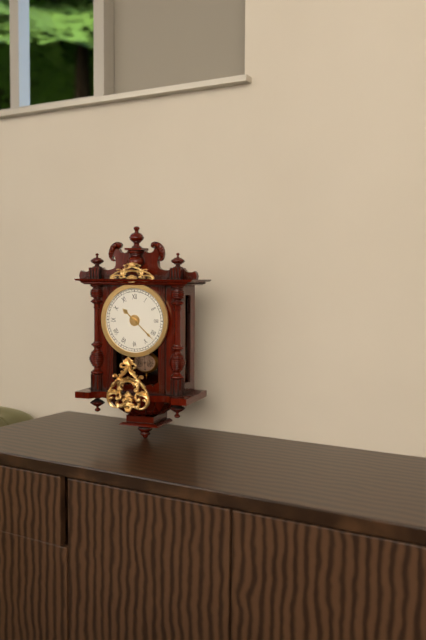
**10:22**
